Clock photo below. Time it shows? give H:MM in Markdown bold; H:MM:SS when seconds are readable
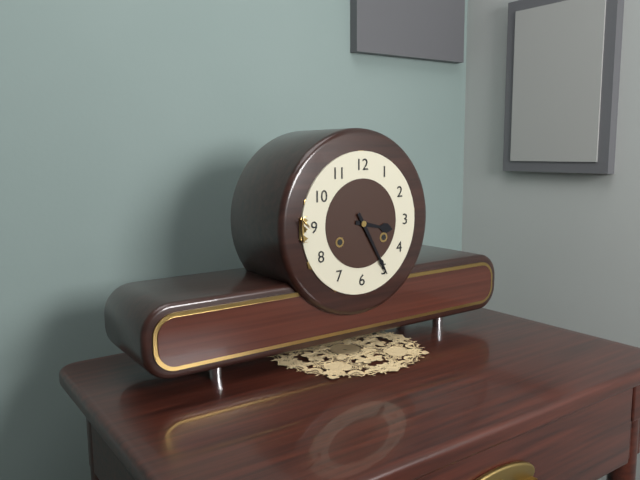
**3:25**
